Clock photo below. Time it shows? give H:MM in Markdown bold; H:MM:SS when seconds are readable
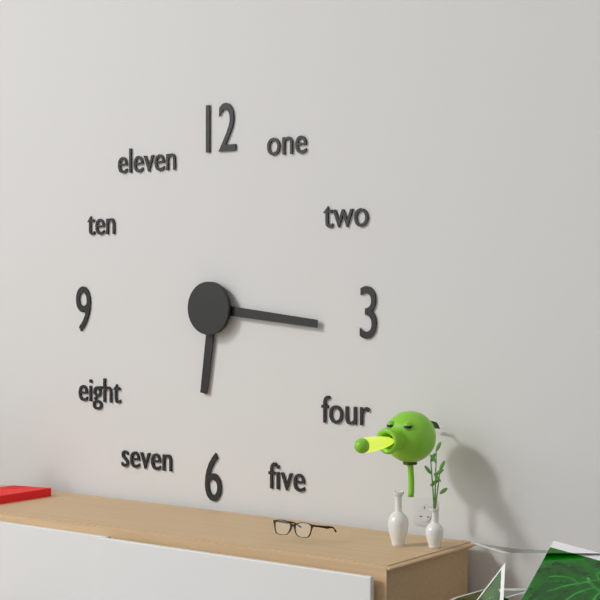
**6:16**
